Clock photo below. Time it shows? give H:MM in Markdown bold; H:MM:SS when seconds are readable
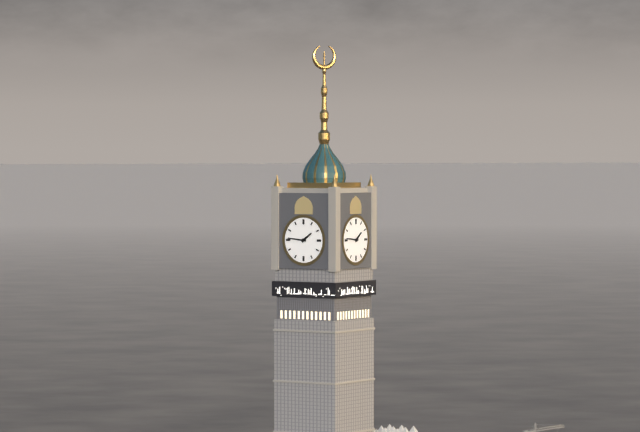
**1:46**
